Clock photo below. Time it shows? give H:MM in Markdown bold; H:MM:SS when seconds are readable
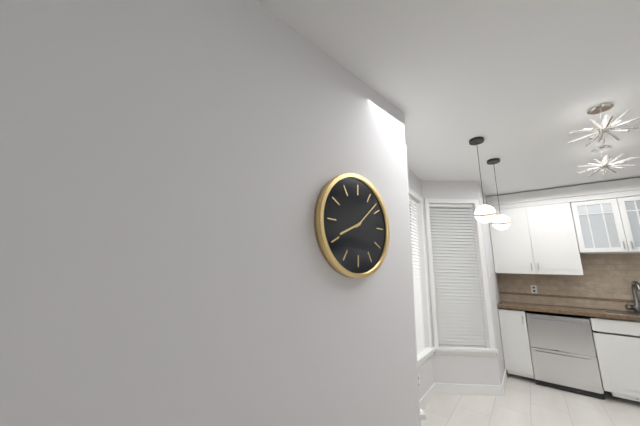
**8:08**
